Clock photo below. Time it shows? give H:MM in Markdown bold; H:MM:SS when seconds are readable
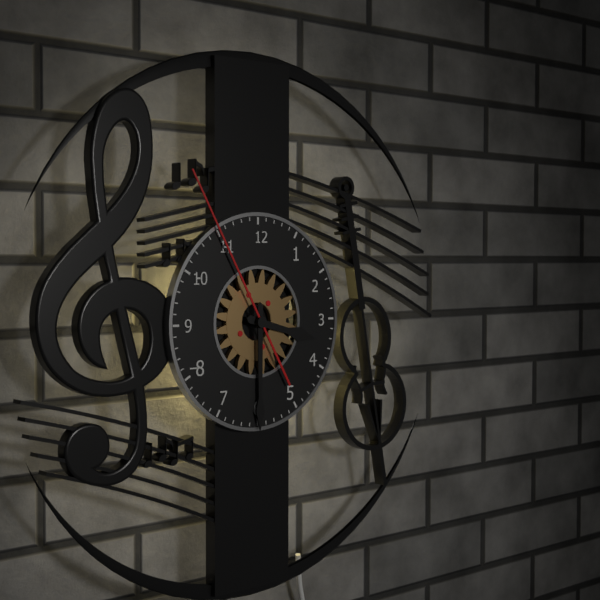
**3:30:55**
